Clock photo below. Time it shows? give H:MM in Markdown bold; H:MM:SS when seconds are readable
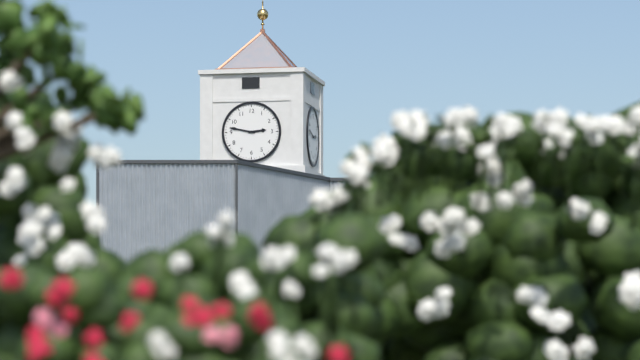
**2:47**
